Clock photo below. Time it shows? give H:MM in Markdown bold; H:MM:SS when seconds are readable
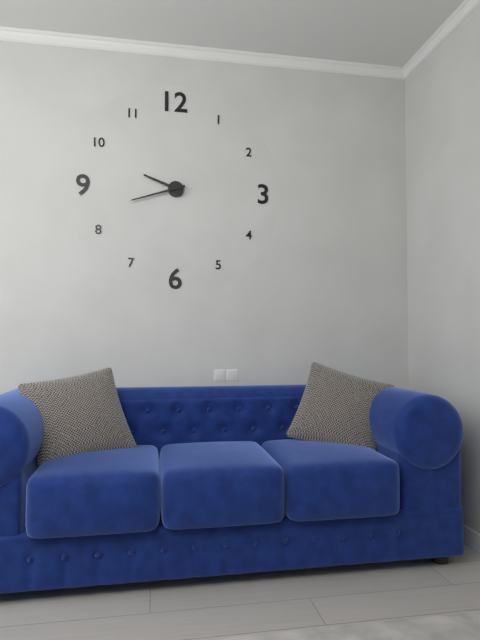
**9:42**
